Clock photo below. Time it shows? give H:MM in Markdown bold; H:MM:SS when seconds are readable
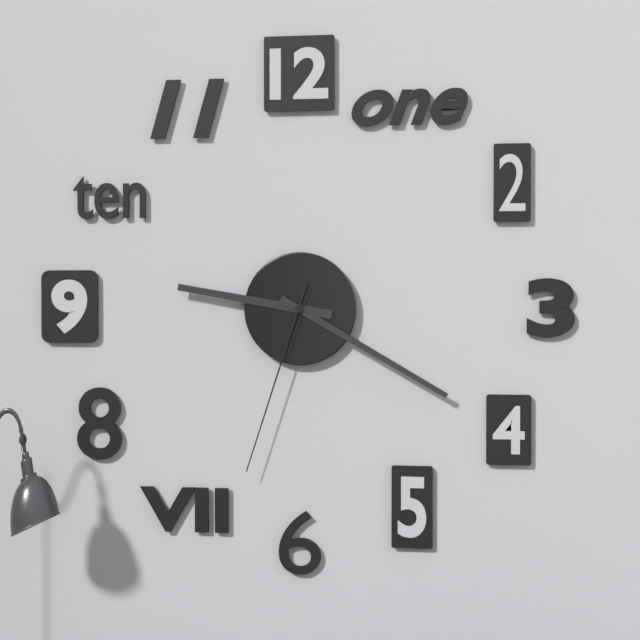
**9:20:33**
